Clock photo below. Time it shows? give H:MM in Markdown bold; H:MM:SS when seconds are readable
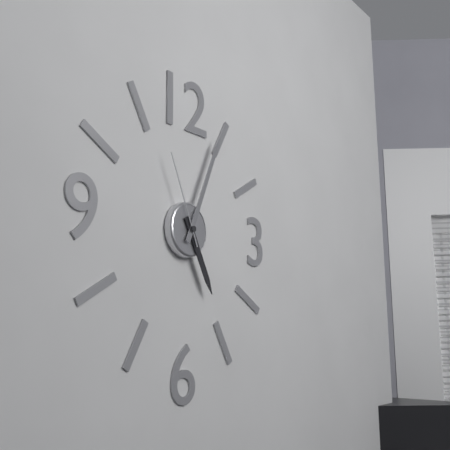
**5:04:56**
